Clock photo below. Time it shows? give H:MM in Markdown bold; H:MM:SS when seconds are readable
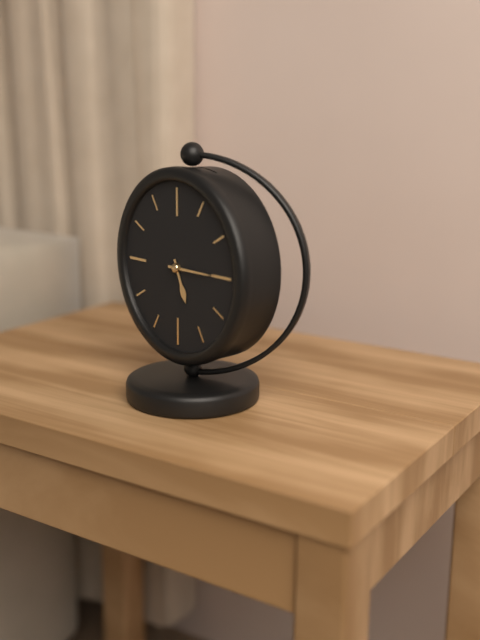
**5:15**
